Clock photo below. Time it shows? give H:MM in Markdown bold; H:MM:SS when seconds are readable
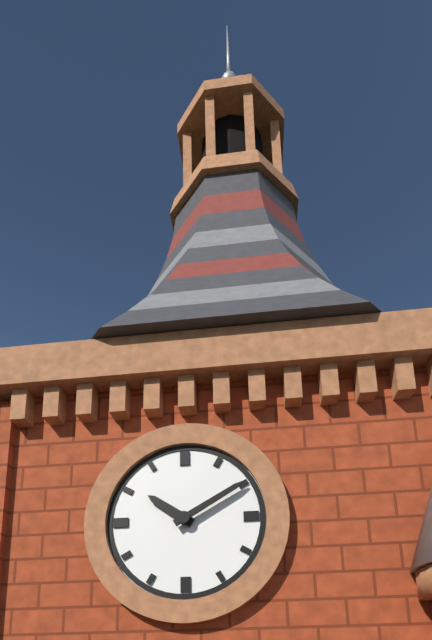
**10:10**
